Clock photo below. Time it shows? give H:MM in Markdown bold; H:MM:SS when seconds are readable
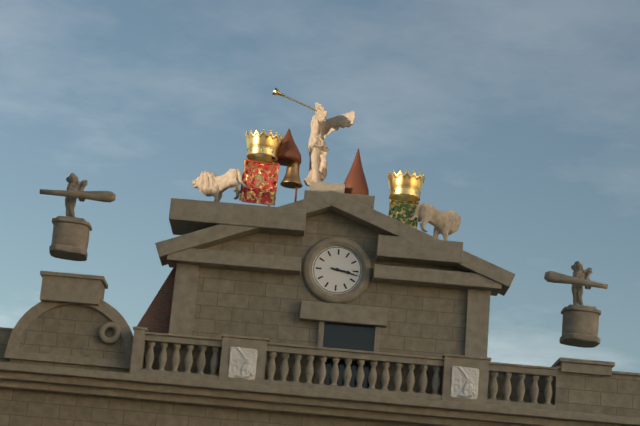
**3:17**
